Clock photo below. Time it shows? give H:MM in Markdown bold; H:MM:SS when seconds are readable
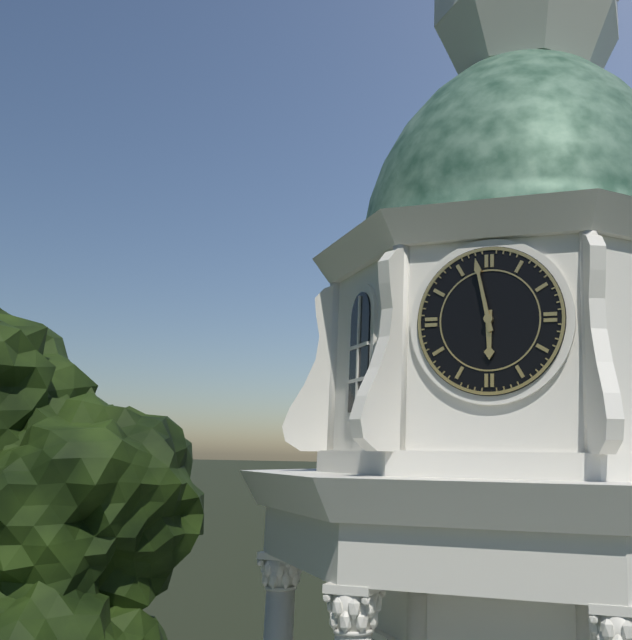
**5:58**
